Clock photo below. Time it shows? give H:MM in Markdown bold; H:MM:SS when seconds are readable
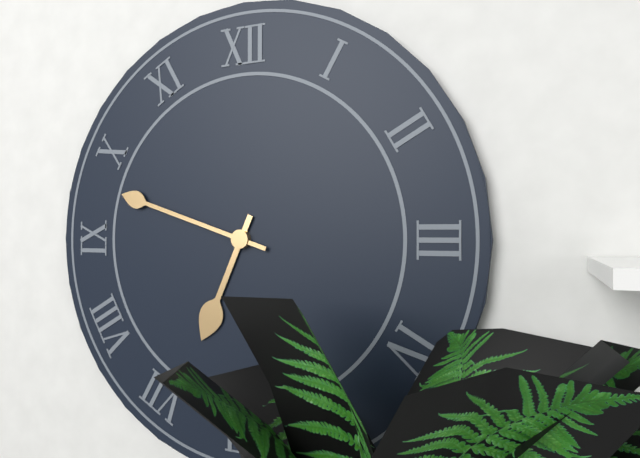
**6:48**
